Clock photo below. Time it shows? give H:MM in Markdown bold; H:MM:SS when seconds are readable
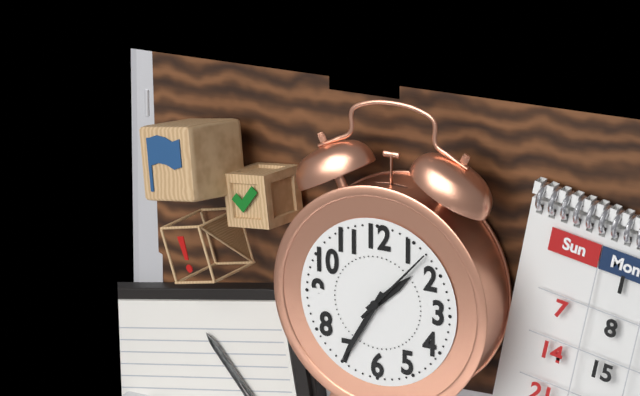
**1:35:07**
